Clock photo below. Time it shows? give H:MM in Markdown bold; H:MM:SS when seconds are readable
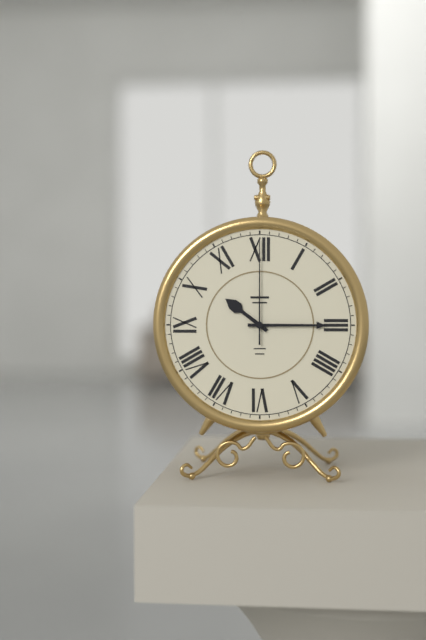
**10:15:00**
